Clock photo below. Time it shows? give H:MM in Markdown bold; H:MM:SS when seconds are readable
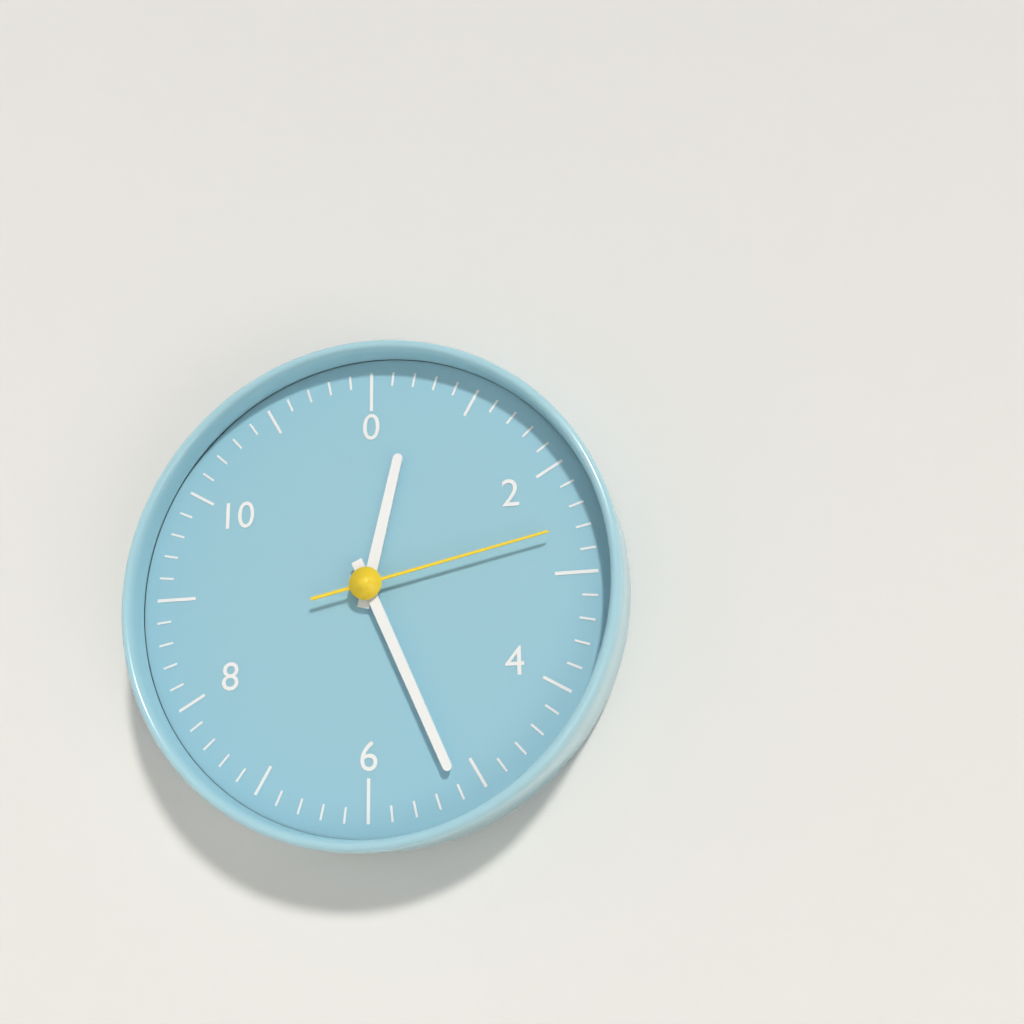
**12:26:13**
